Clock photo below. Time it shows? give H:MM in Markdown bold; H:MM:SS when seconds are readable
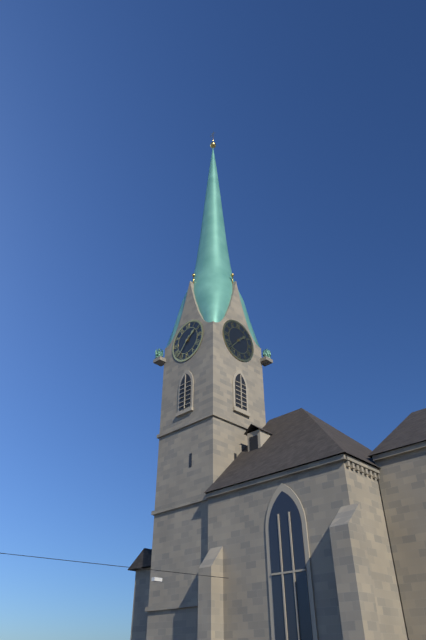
**1:37**
